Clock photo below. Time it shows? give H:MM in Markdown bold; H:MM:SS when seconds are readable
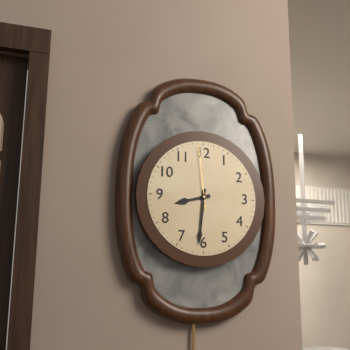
**8:31:59**
